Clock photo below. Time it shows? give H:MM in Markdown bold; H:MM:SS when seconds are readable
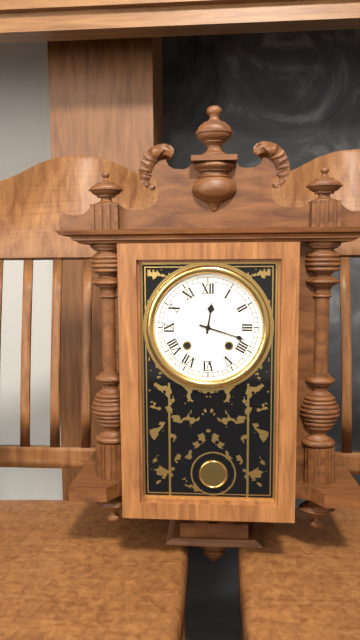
**12:18**
